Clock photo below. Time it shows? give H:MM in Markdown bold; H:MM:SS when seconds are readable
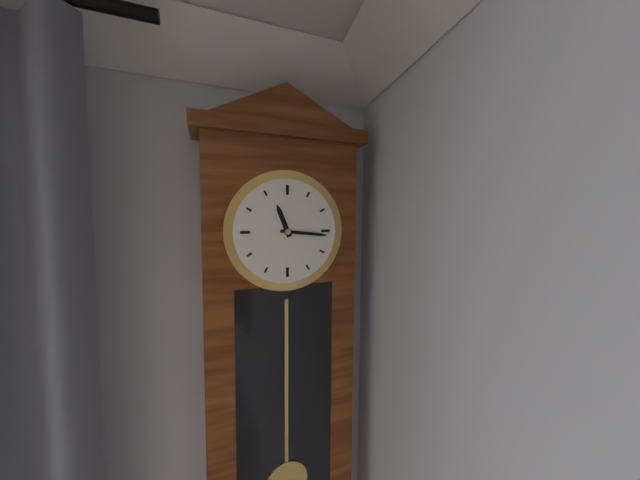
**11:16**
